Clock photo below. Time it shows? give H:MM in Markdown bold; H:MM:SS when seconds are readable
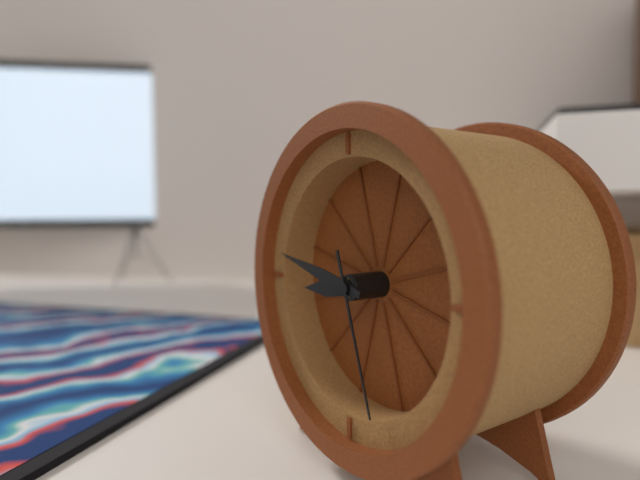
**8:47:27**
